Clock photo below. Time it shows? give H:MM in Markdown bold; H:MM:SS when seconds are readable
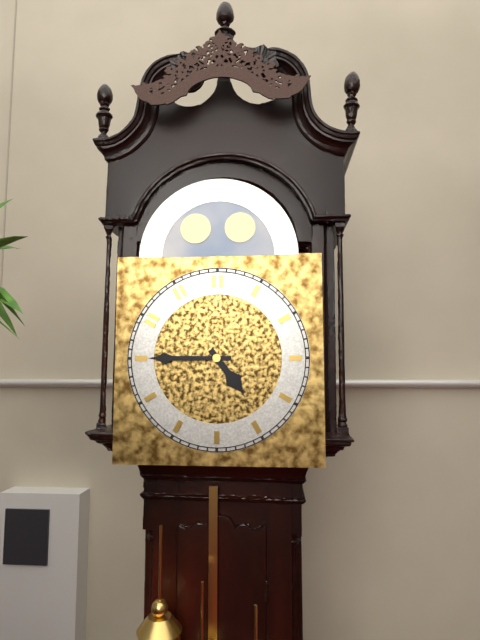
**4:45**
